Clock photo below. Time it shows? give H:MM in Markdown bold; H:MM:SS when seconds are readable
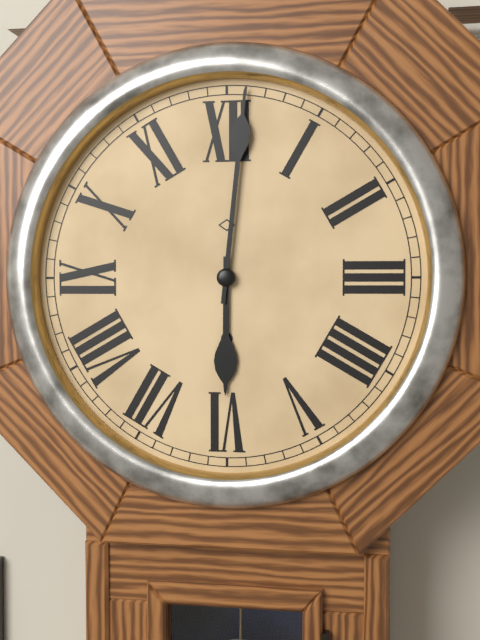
**6:01**
